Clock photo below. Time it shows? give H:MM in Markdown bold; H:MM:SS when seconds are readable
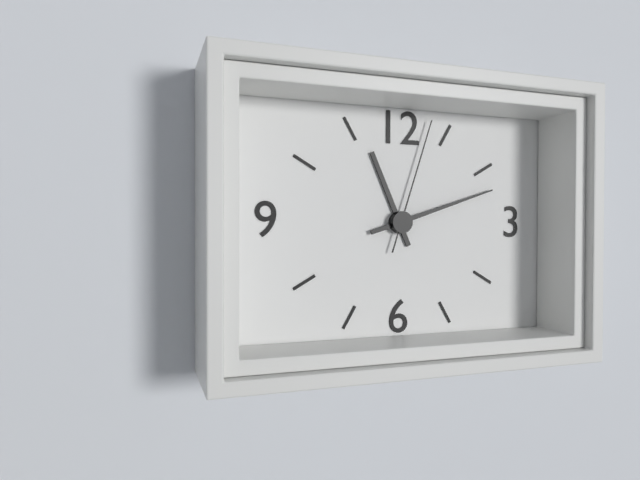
**11:12:03**
